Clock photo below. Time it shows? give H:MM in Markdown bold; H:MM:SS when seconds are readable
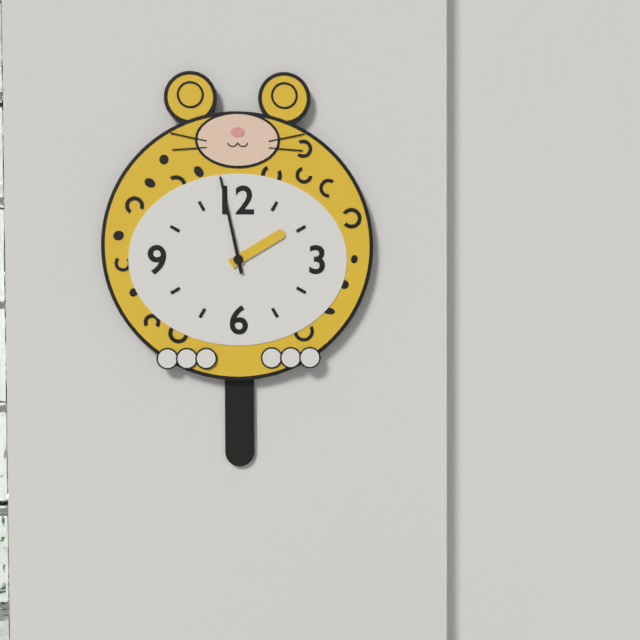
**1:58**
